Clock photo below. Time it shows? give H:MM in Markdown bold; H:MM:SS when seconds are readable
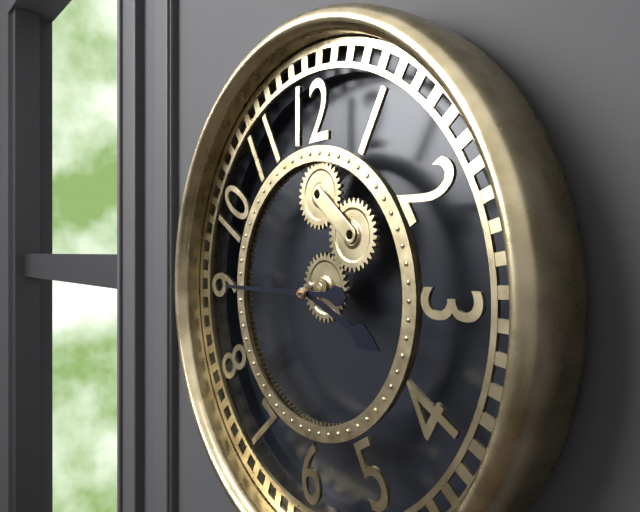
**3:45**
